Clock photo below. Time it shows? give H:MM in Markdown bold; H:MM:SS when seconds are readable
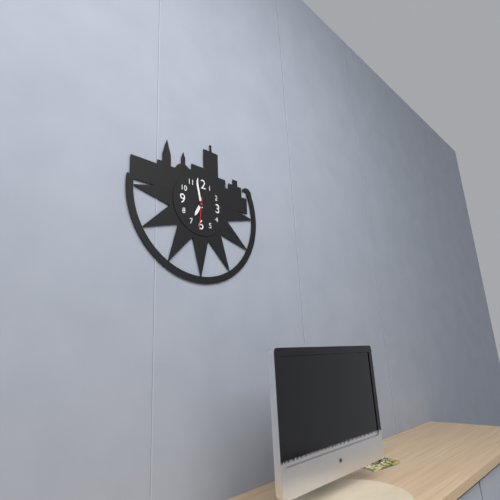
**6:58**
